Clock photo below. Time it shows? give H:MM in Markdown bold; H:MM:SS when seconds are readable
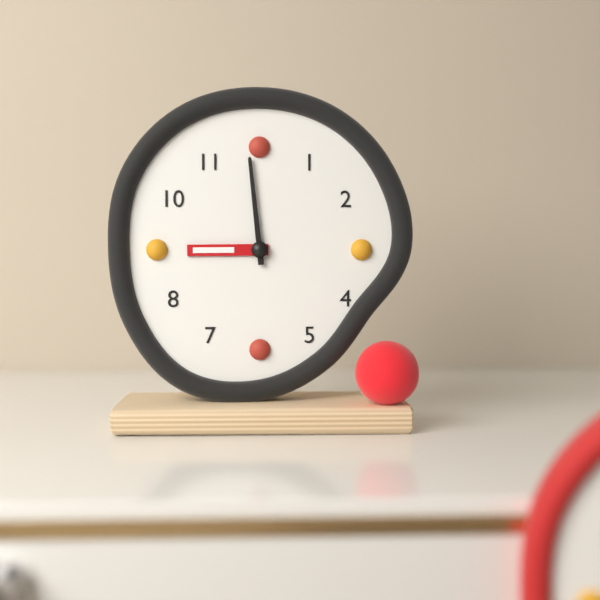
**8:59**
